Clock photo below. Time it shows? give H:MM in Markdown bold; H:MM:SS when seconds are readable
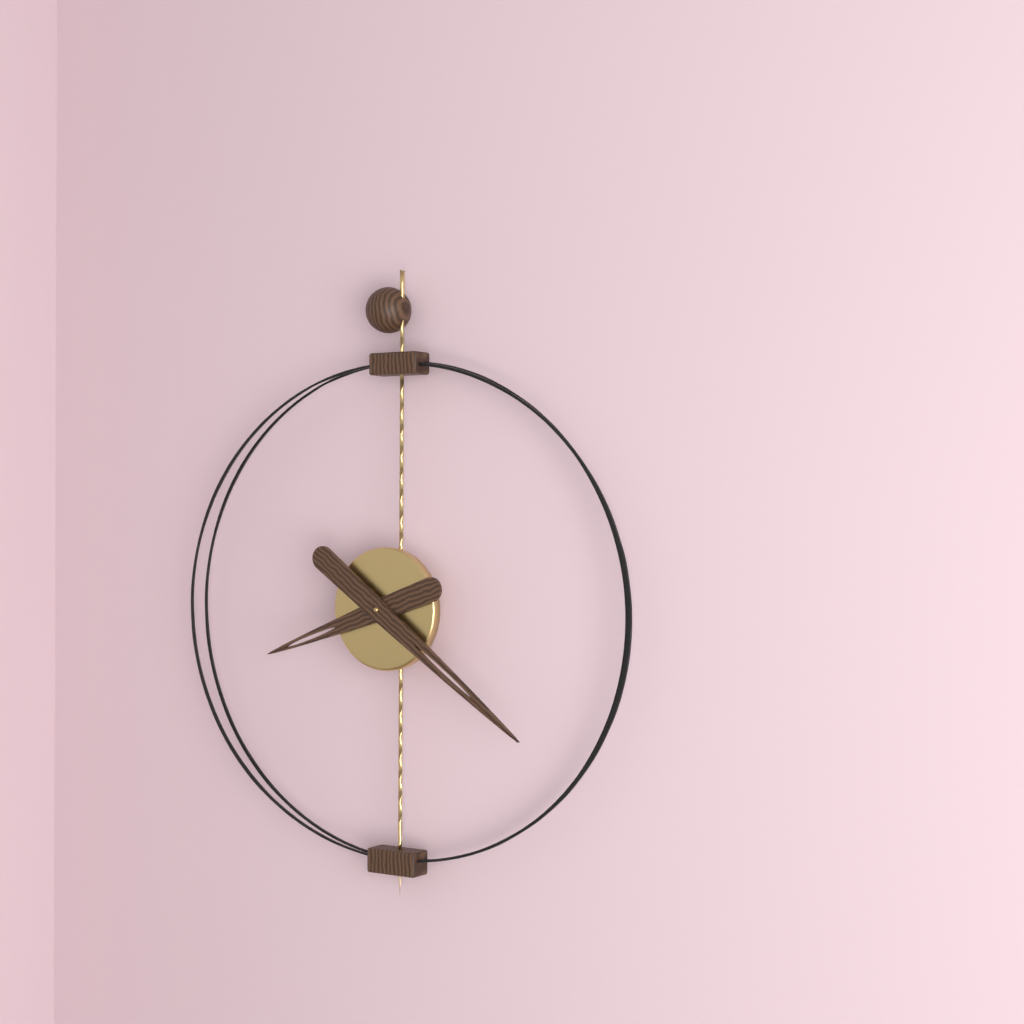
**8:21**
